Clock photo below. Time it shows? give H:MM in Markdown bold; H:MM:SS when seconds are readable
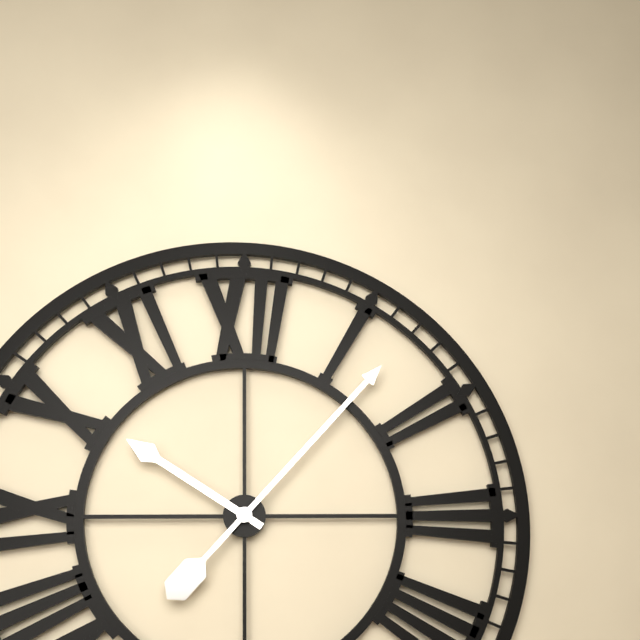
**10:07**
